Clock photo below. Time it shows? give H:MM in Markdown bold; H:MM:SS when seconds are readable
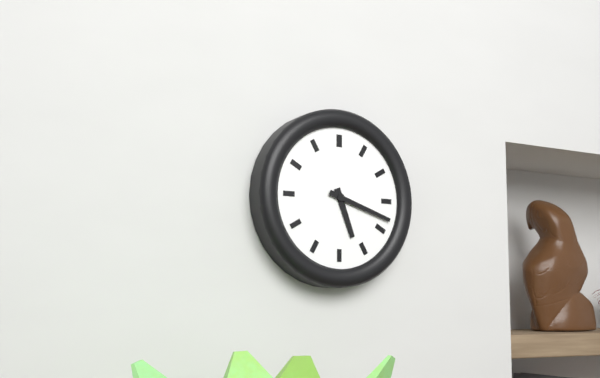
**5:18**
